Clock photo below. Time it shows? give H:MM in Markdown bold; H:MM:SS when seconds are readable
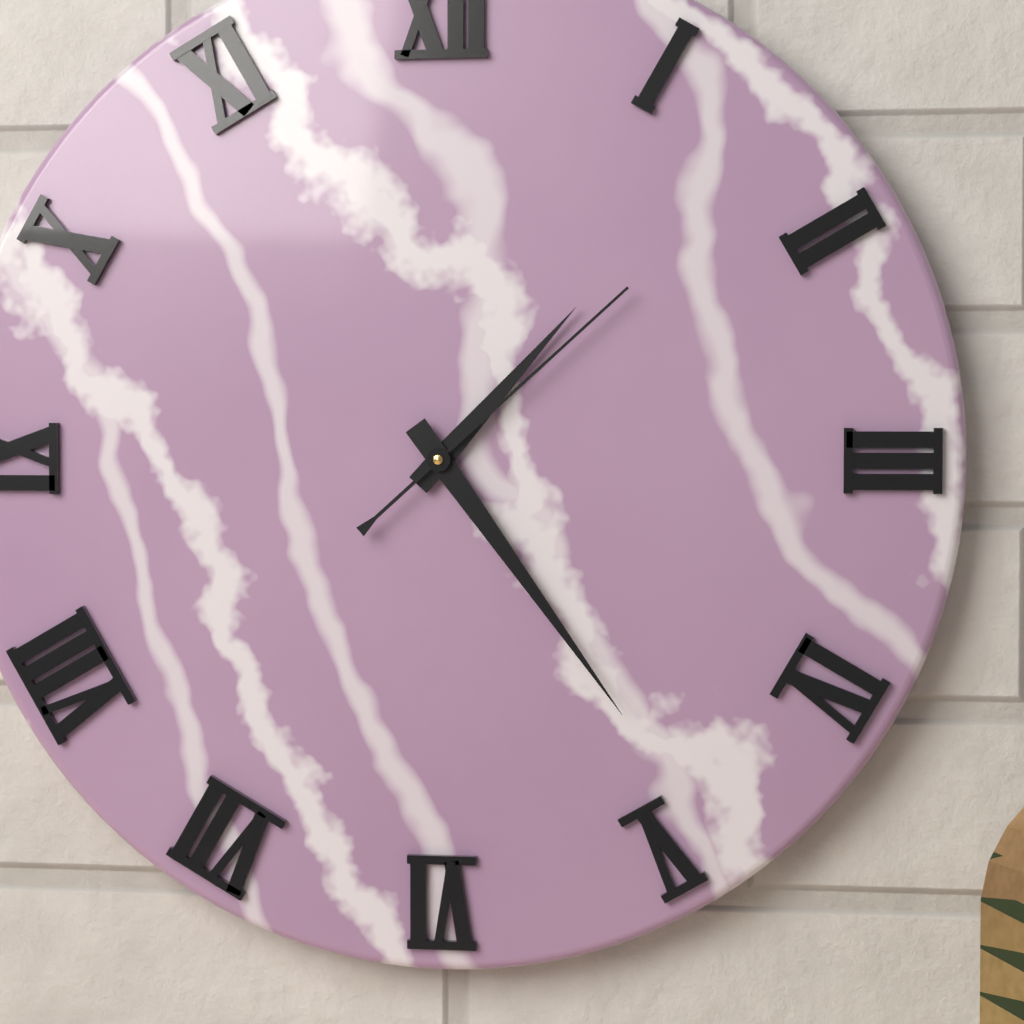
**1:24:08**
